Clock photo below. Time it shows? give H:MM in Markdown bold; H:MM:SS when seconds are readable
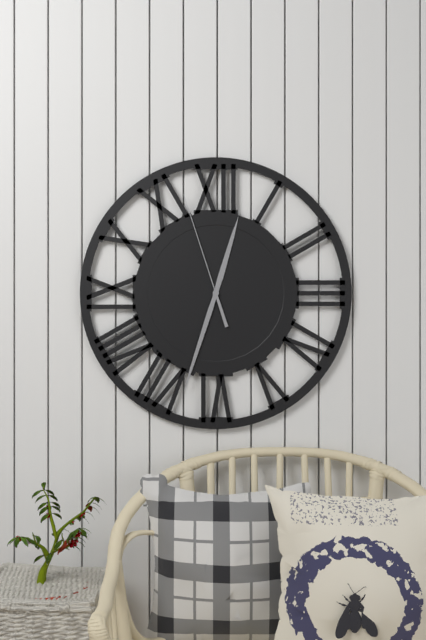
**12:33:57**
